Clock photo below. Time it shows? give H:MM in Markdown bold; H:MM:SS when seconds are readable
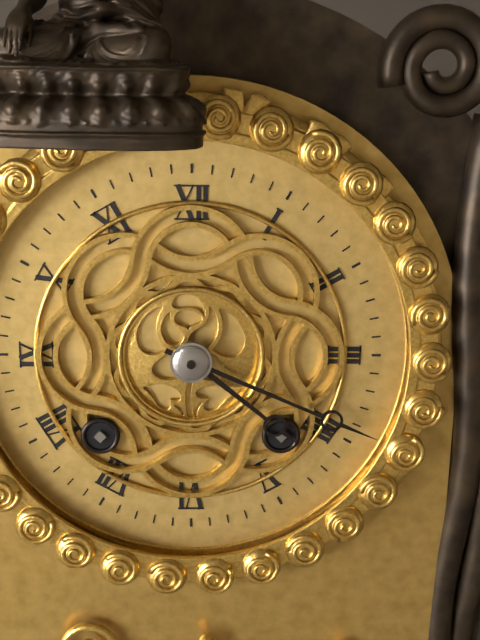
**4:19**
